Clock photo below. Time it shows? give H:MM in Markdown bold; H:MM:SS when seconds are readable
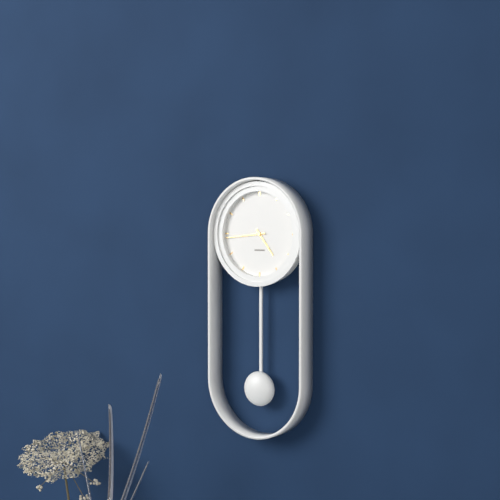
**4:44**
